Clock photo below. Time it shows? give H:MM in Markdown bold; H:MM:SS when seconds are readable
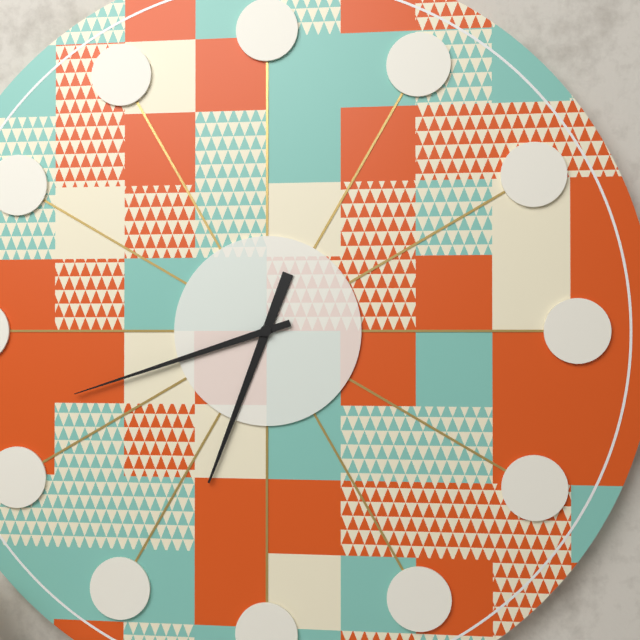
**6:42**
